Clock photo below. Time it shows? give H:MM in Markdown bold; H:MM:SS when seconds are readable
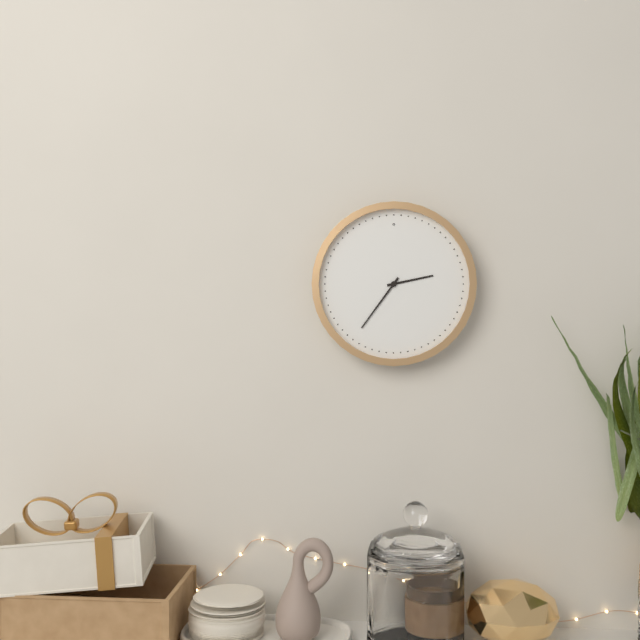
**2:36**
